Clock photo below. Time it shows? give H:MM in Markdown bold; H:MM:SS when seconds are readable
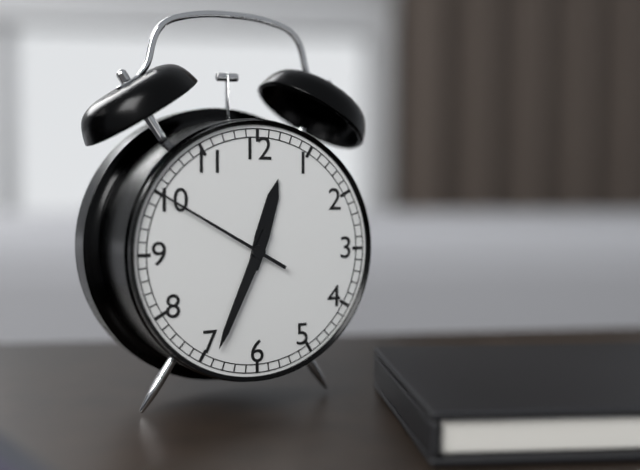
**12:34:50**
